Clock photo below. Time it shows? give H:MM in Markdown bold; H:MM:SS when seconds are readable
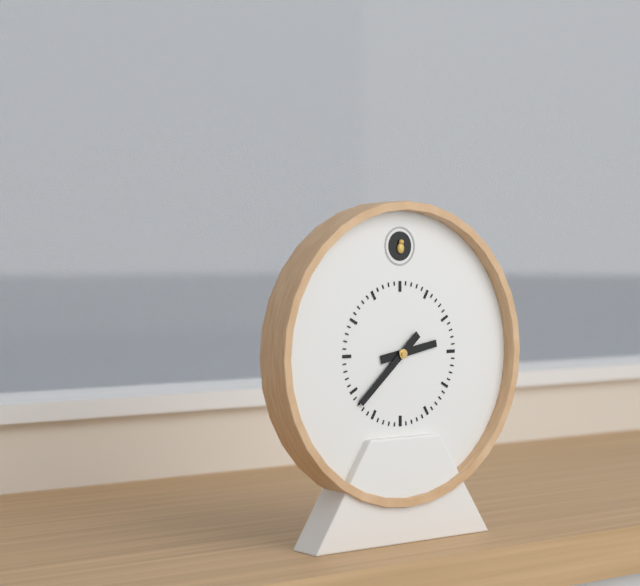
**2:38**
